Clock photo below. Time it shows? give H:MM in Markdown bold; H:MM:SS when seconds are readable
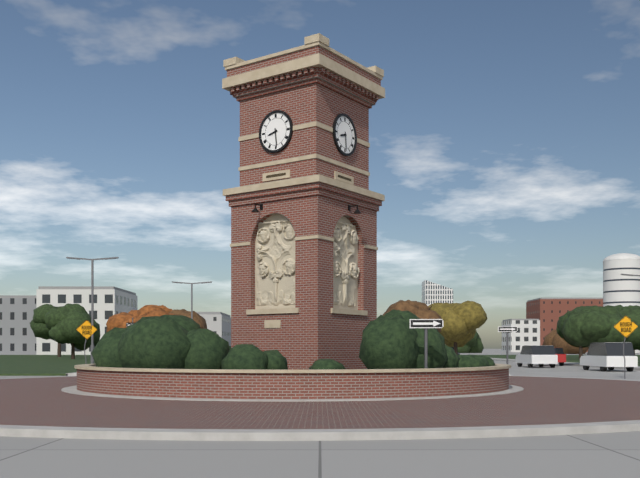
**8:29**
